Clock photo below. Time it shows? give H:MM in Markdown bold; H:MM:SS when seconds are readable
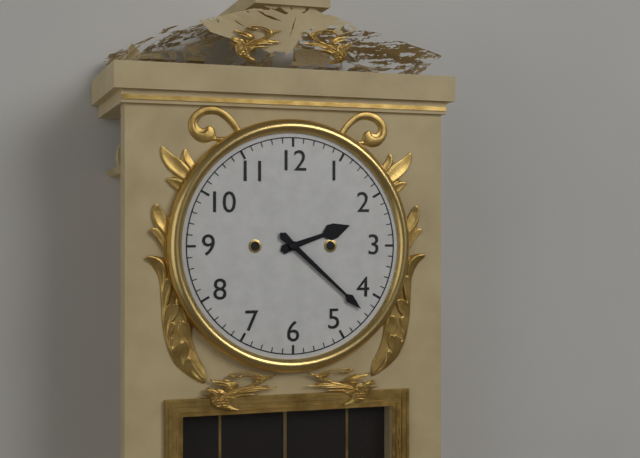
**2:22**
